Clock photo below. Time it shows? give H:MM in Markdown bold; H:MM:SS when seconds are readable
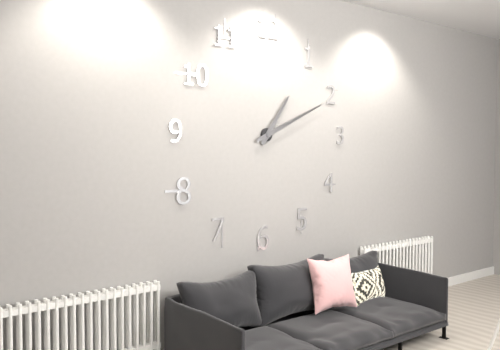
**1:11**
